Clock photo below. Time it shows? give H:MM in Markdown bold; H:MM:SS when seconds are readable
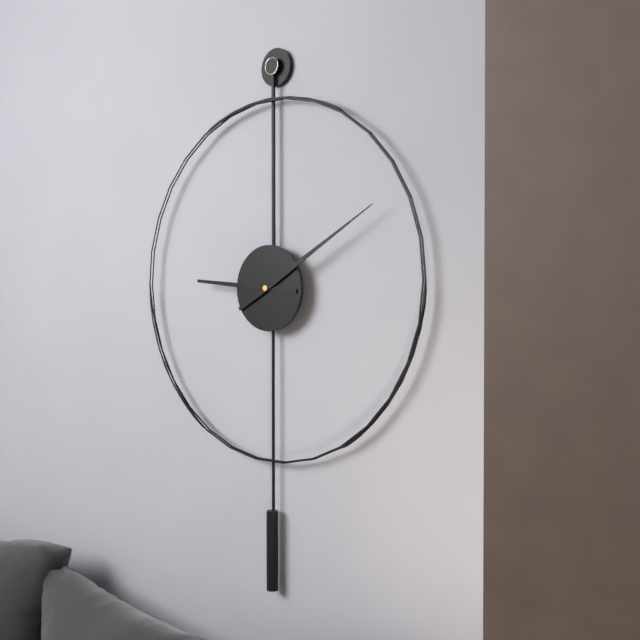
**9:10**
